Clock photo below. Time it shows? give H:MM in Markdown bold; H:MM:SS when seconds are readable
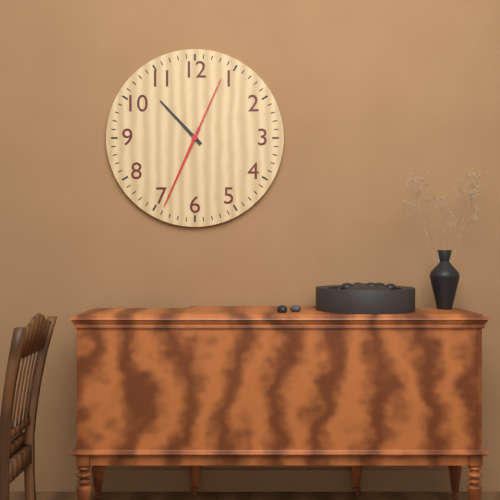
**10:34:04**
